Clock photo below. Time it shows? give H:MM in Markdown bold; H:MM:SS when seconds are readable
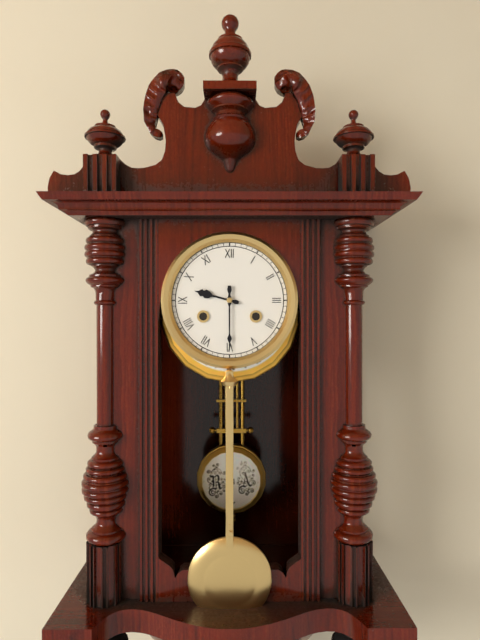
**9:30**
